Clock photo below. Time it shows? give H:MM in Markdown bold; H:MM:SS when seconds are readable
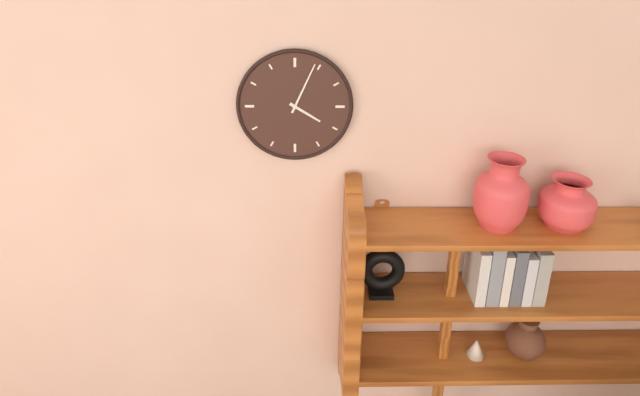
**4:04**
